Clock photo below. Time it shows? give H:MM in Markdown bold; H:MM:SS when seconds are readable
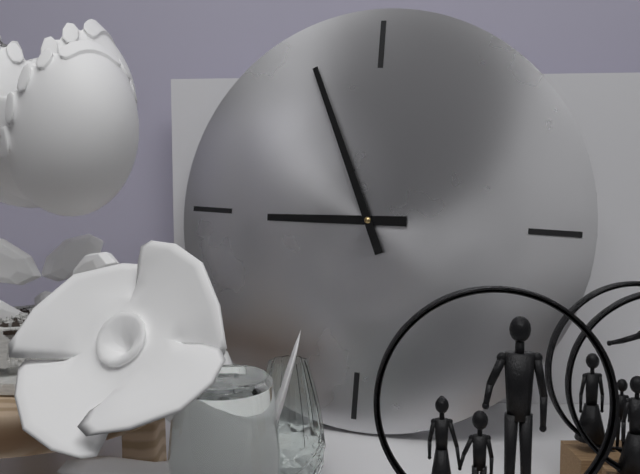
**8:56**
